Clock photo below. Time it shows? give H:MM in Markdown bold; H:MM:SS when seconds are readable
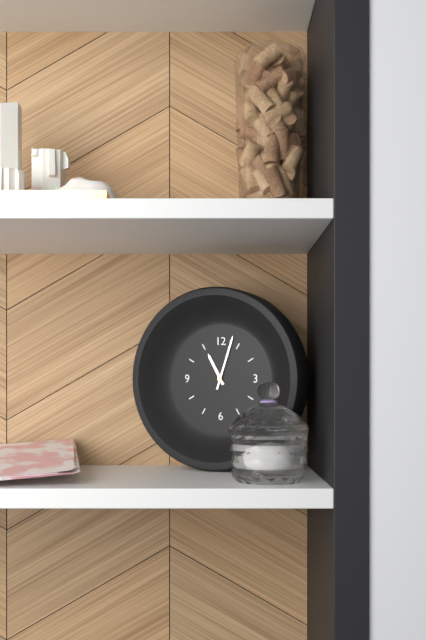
**11:03**
